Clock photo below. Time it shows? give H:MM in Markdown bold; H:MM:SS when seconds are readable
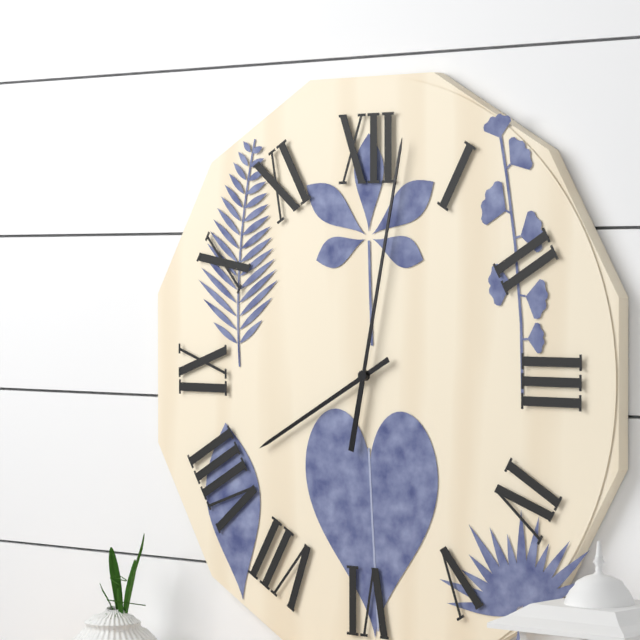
**8:02**
